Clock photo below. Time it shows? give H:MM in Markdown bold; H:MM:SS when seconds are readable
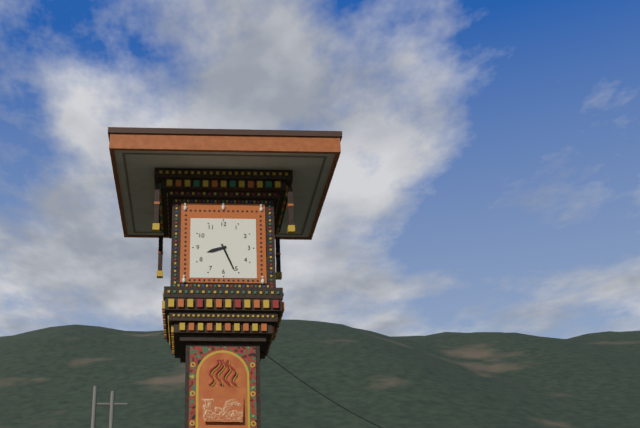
**8:26**
